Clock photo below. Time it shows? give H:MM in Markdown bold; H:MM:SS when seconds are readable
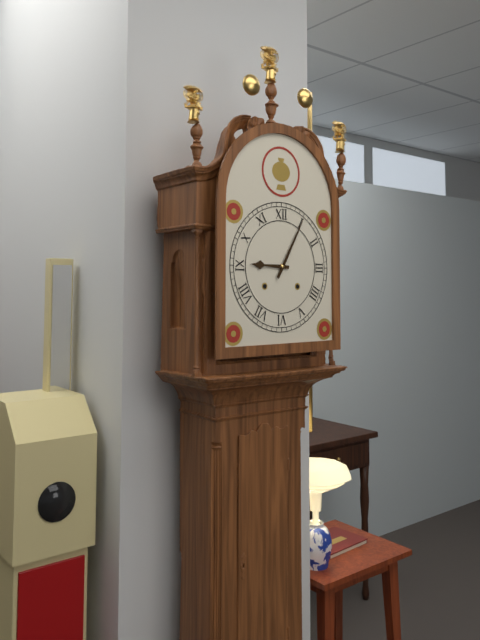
**9:05**
